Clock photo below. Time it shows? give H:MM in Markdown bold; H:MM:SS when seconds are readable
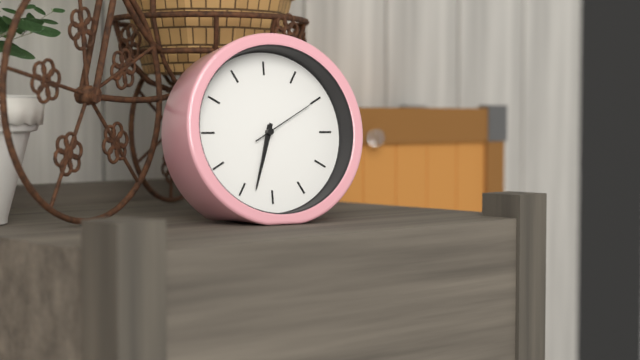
**6:33:10**
